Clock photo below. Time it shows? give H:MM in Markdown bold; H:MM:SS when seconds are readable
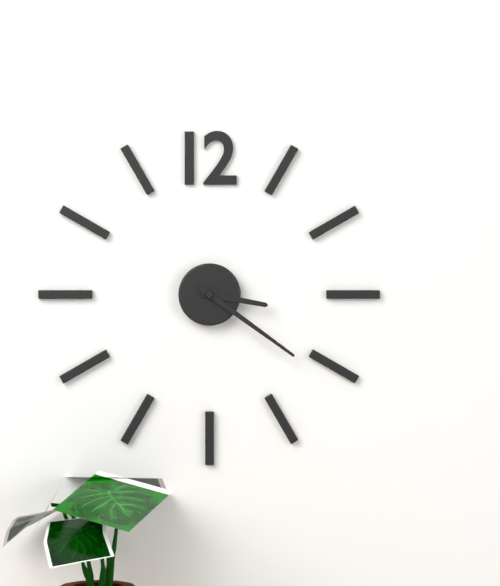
**3:21**
